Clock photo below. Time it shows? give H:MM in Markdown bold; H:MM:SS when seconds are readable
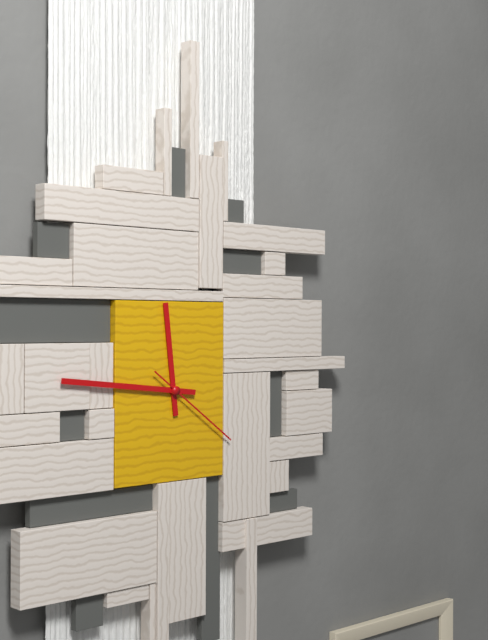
**11:46:21**
